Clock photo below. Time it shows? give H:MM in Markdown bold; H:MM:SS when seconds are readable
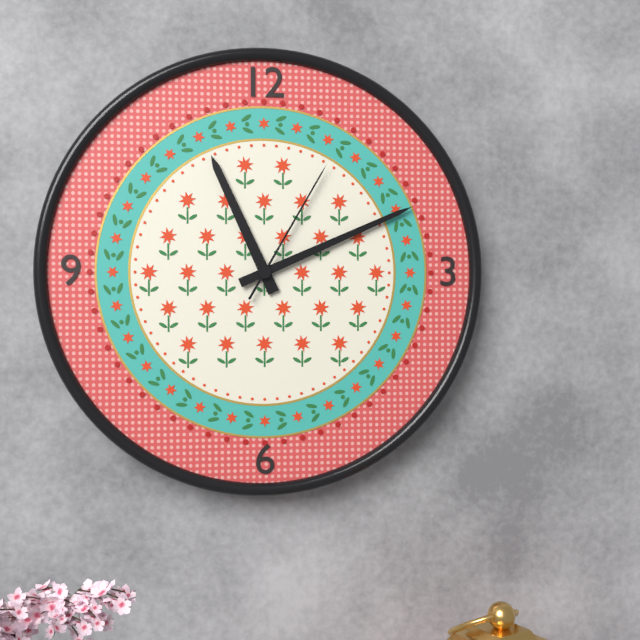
**11:11:05**
